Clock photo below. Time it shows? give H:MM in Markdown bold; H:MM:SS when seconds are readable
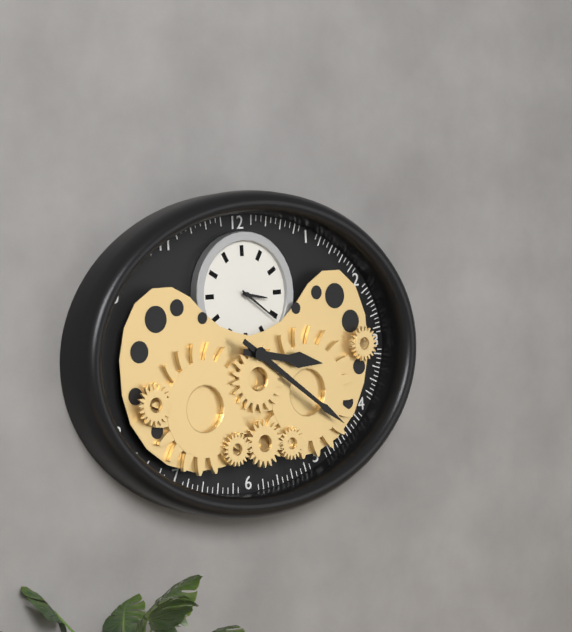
**3:21**
